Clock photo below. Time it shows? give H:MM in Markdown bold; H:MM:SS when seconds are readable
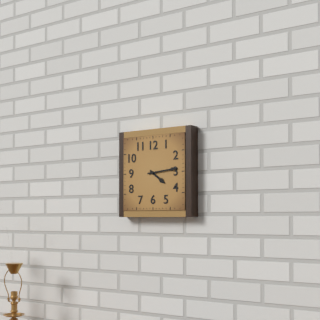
**4:14**
